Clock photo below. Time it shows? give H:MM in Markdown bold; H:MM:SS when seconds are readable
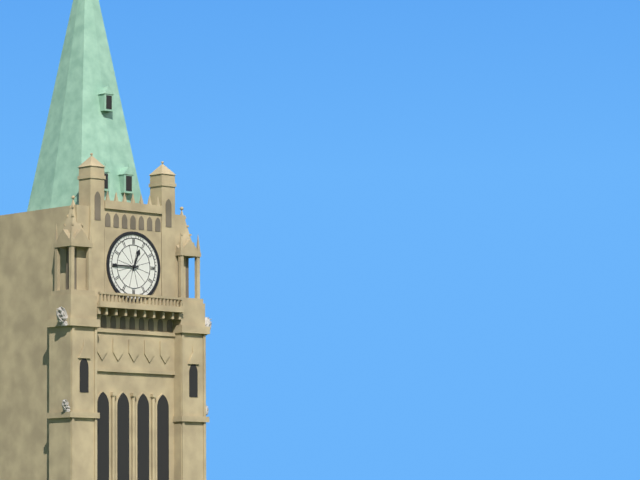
**12:45**
